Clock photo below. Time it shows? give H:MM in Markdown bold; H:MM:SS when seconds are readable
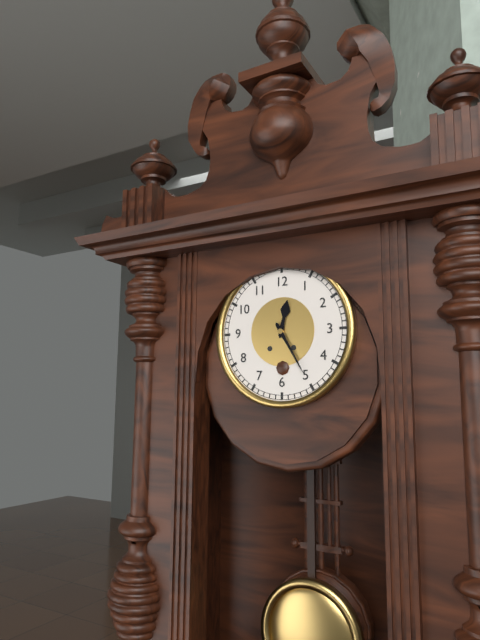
**12:25**
